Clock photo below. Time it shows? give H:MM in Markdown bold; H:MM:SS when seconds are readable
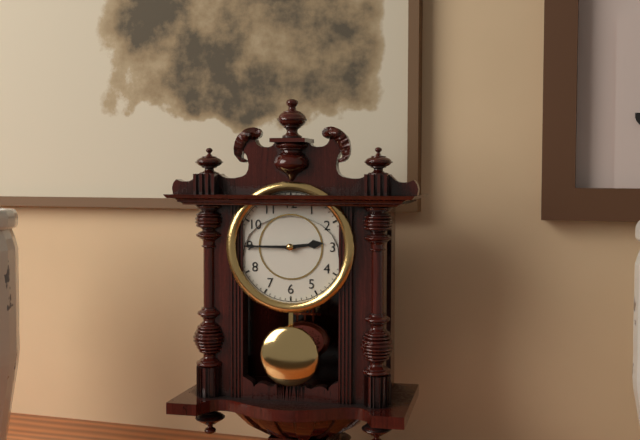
**2:45**
